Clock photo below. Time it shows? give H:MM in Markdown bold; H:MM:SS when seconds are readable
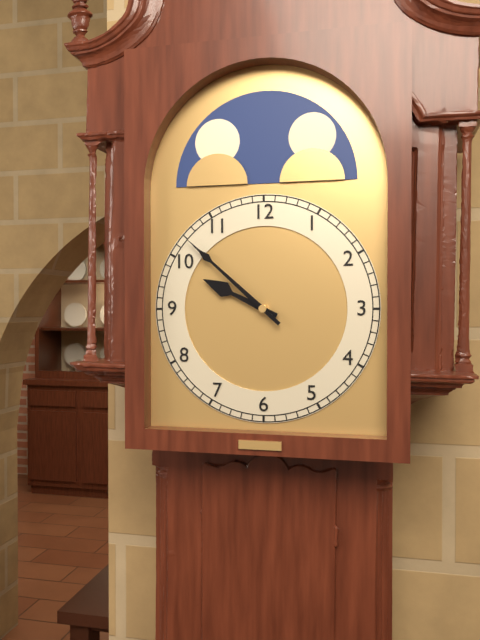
**9:52**
